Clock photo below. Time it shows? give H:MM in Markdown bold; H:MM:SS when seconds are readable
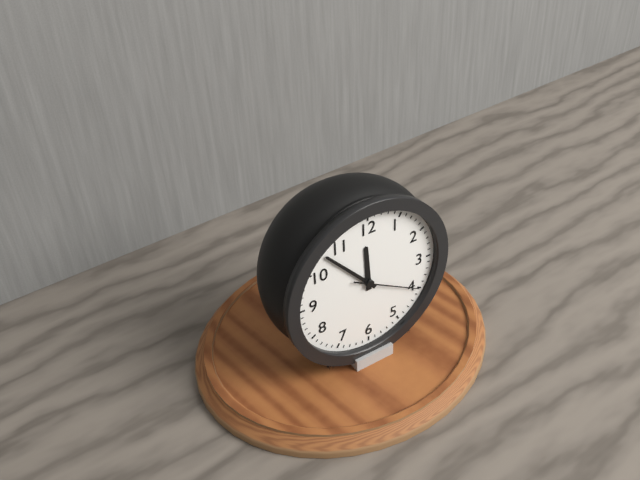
**11:53:20**
